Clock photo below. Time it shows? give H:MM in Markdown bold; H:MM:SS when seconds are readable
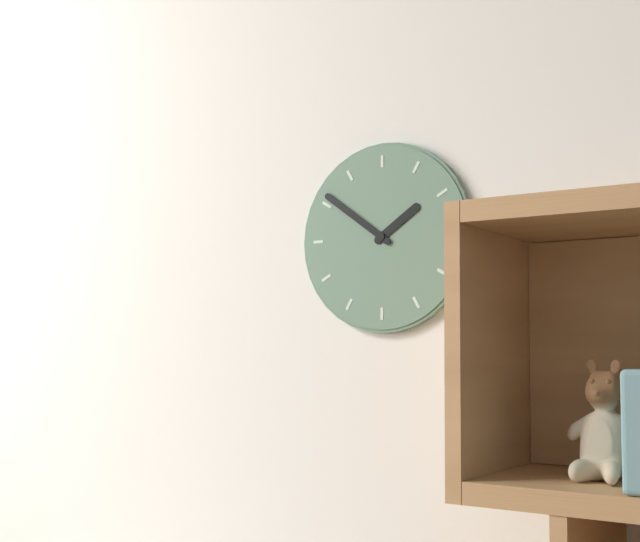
**1:51**
